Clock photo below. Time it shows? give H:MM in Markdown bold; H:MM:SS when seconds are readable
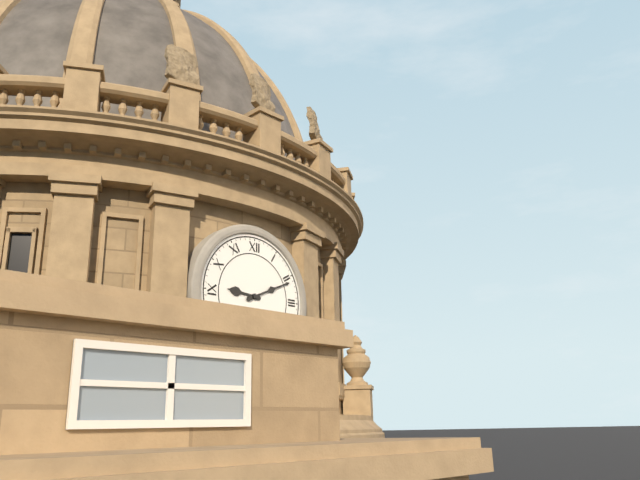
**9:11**
